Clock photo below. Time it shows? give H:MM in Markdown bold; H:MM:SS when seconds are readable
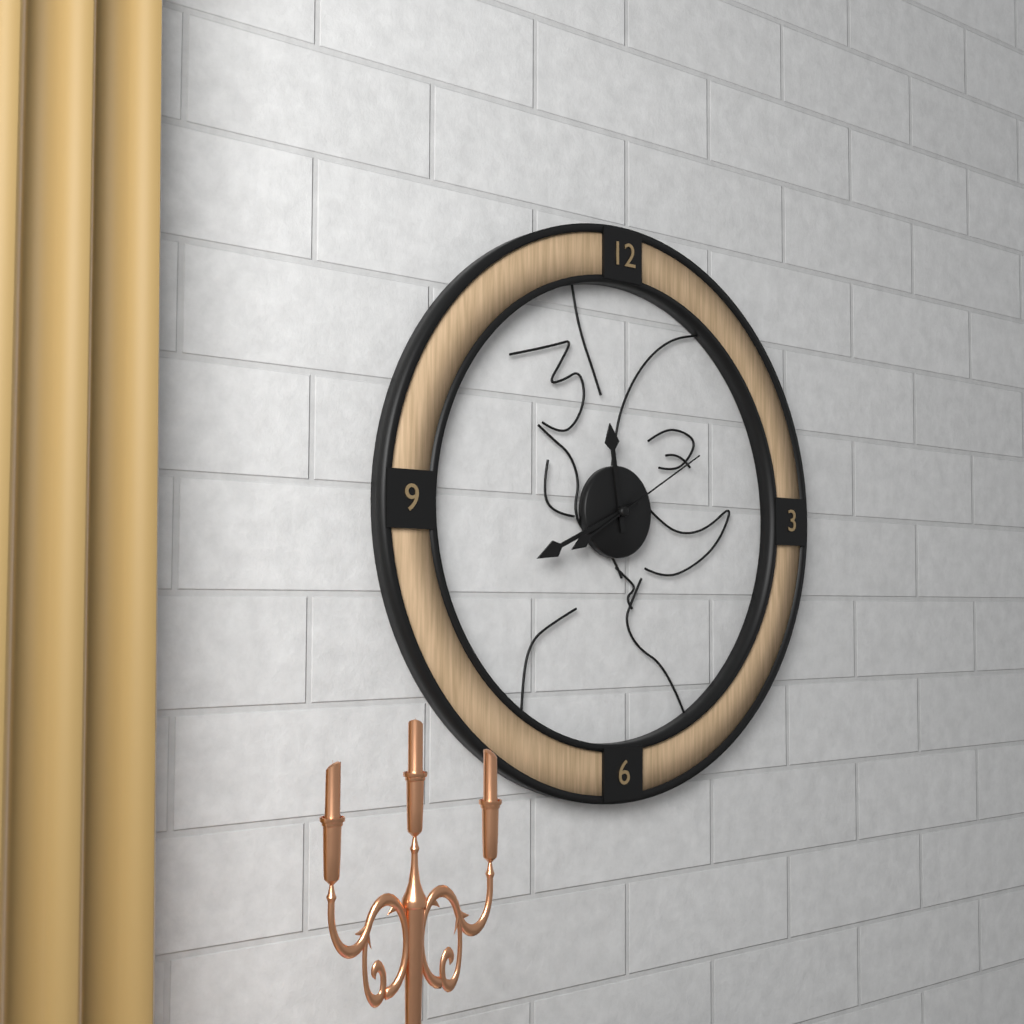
**11:41:10**
